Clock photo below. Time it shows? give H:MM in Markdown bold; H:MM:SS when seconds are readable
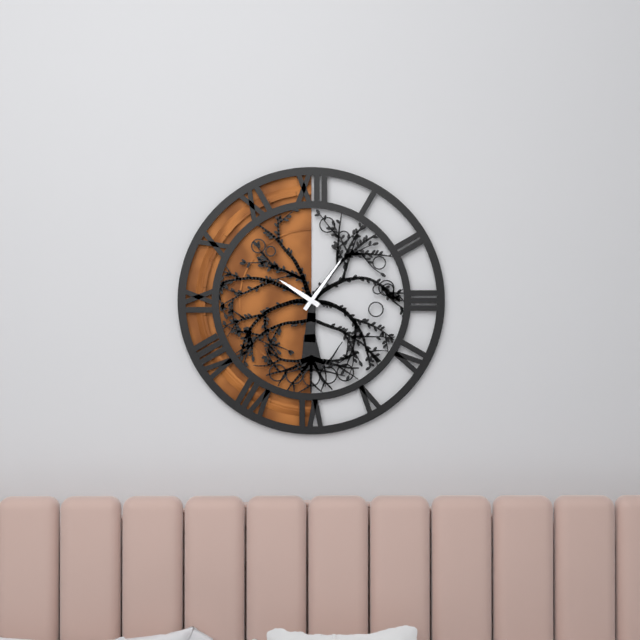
**10:06**
